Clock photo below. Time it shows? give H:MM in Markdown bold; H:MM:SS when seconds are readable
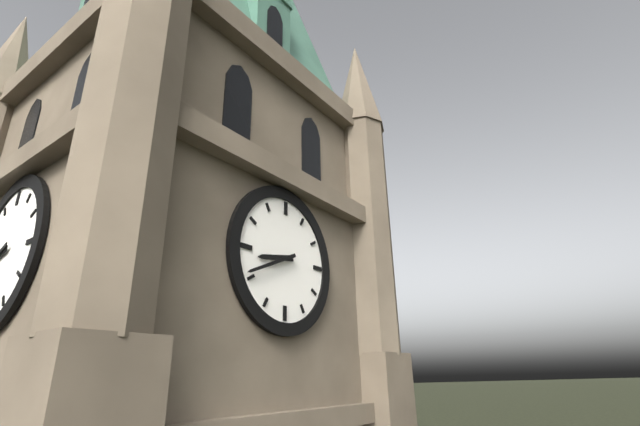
**8:41**
